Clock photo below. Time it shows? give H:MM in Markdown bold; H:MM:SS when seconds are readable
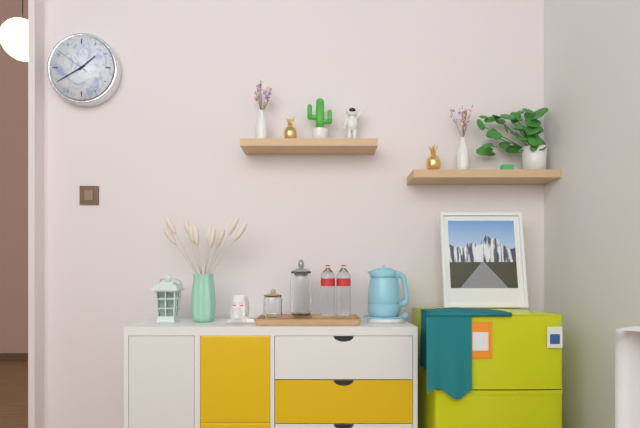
**1:40**
